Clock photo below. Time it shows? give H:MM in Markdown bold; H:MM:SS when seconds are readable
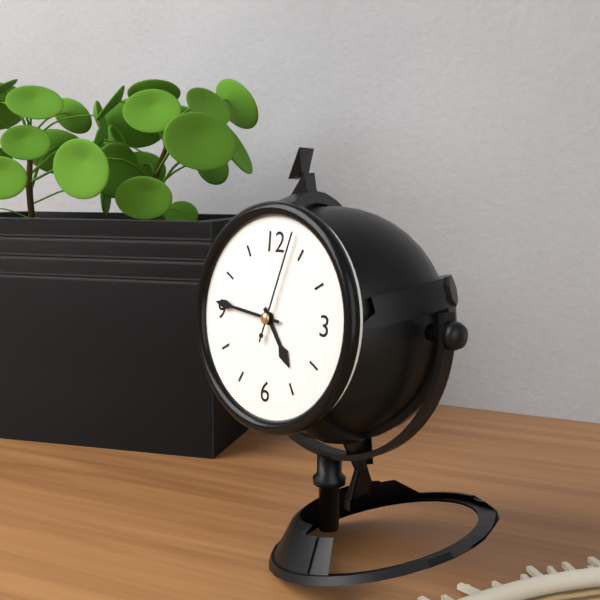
**4:46:03**
